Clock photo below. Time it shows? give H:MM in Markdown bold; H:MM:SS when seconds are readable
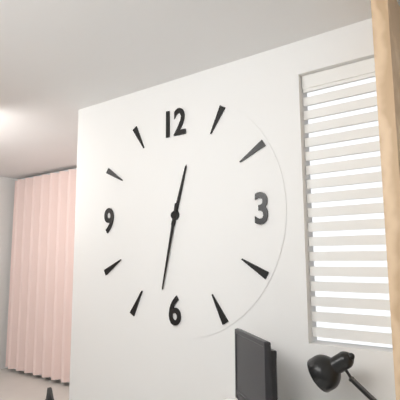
**12:32**
